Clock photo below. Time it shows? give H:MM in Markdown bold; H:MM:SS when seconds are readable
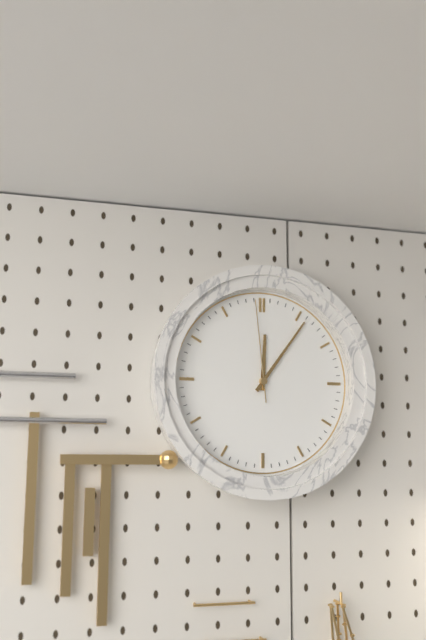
**12:06:59**
